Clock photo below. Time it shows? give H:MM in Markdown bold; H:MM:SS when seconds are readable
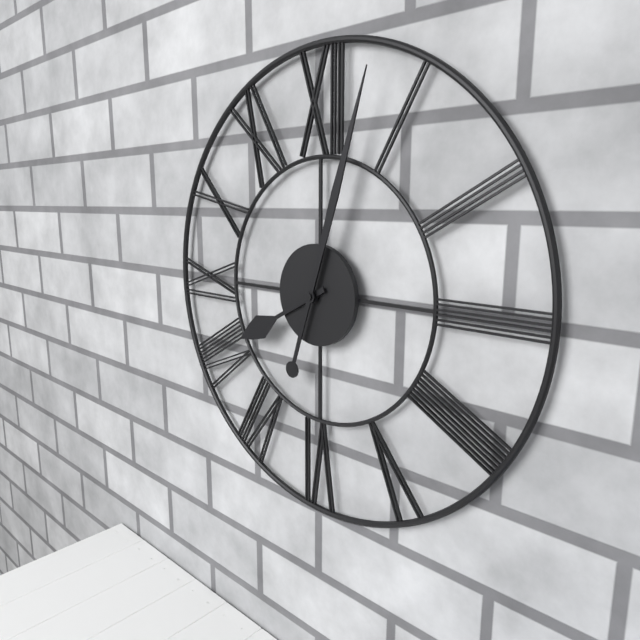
**8:03**
